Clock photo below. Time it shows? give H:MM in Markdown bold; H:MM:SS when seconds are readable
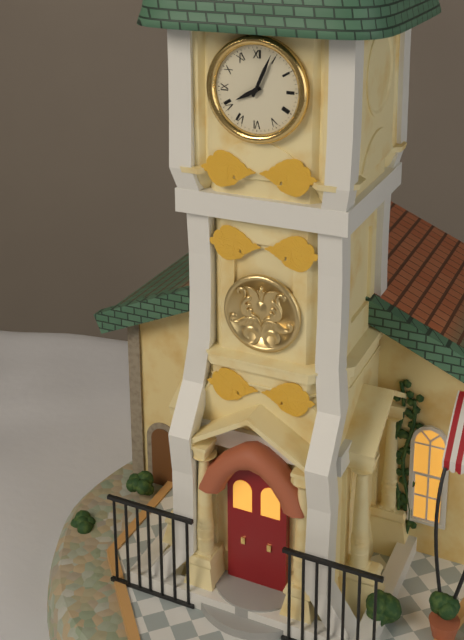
**8:04**
